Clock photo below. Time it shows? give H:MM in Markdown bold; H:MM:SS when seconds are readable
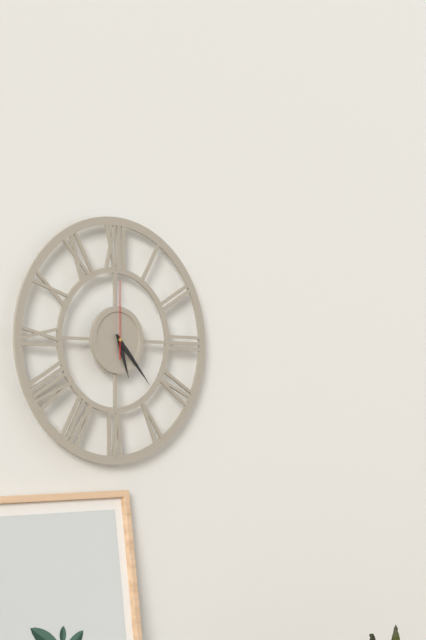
**5:23:00**
